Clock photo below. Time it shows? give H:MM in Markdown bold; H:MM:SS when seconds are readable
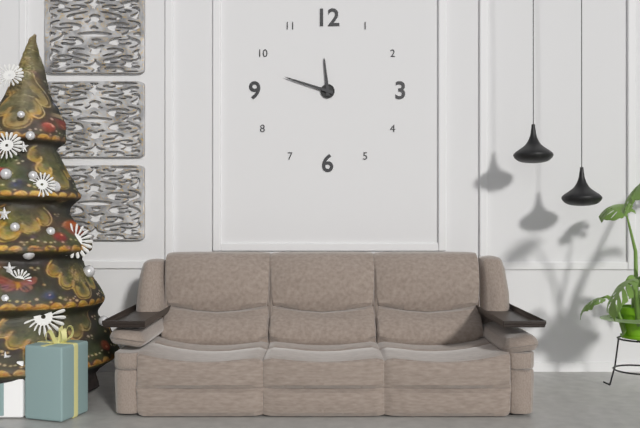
**11:48**
